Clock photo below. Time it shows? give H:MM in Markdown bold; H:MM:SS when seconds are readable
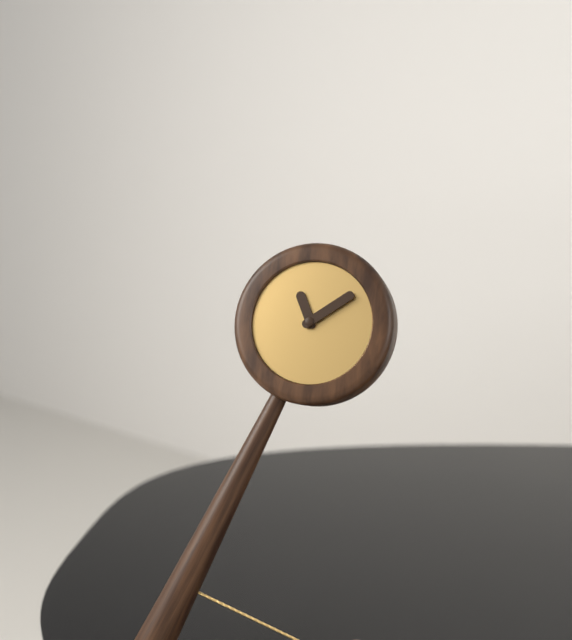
**11:09**
